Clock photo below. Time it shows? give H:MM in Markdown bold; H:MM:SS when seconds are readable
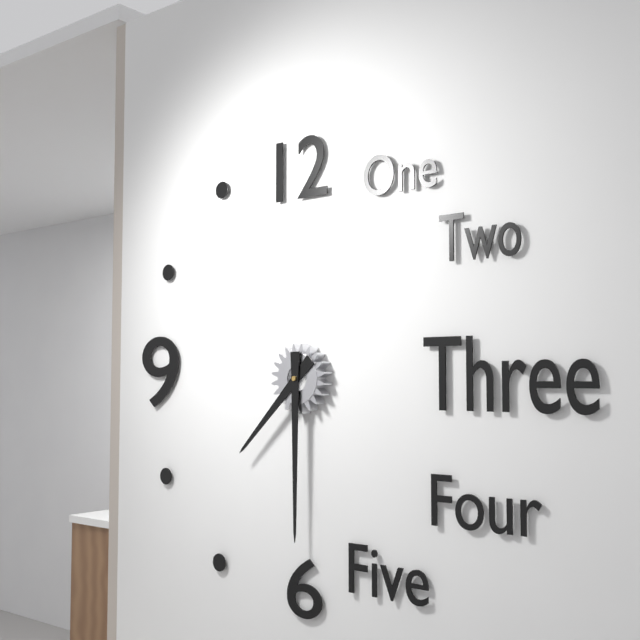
**7:30**
